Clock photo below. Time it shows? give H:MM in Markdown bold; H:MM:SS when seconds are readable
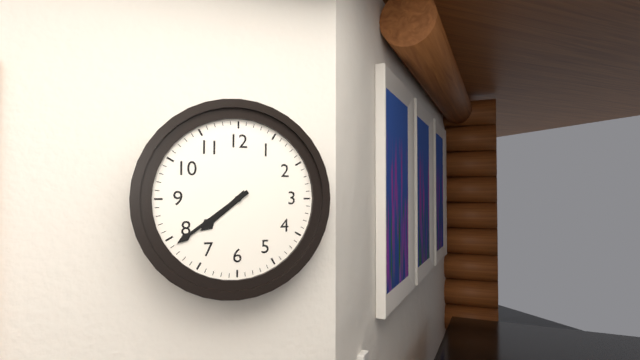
**7:39**
